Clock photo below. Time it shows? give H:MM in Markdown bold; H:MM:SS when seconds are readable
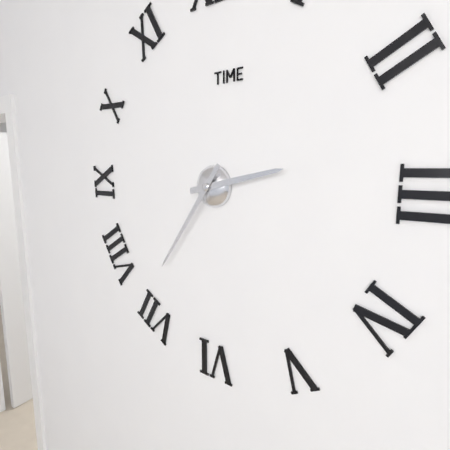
**2:36**
